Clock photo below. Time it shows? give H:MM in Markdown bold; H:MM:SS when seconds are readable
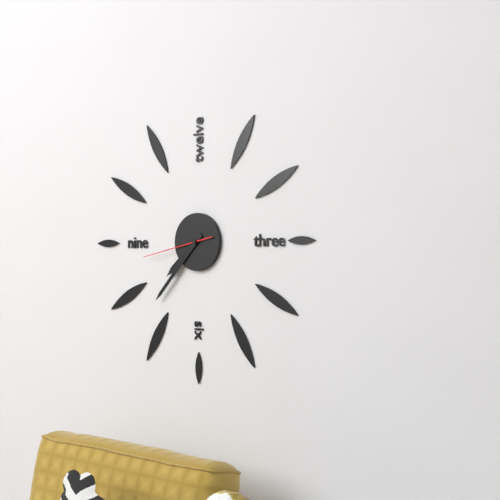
**7:37:43**
